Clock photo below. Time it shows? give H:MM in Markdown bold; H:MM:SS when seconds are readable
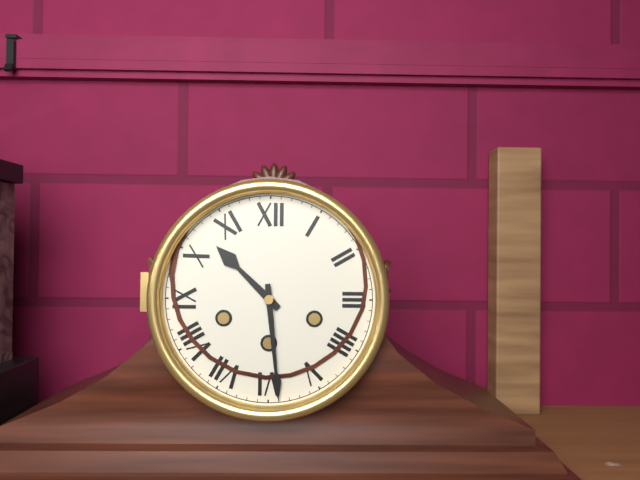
**10:29**
